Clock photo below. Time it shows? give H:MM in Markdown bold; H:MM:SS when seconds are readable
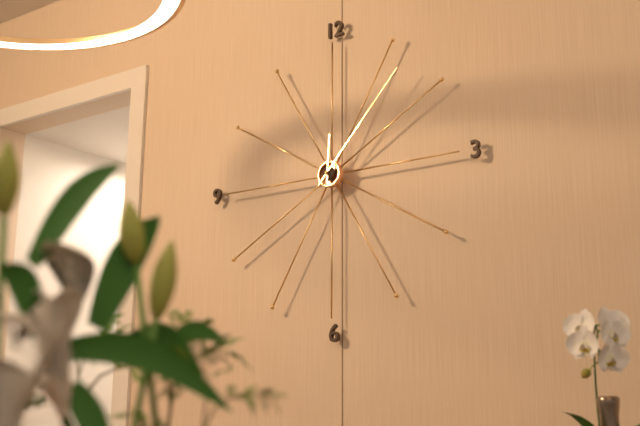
**12:07**
